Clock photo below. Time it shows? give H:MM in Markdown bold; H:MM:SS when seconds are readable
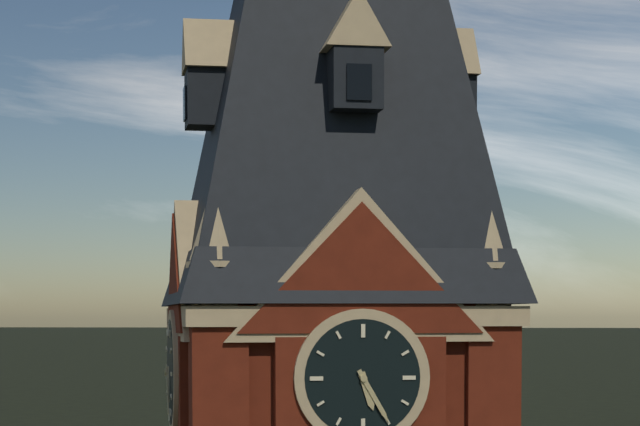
**5:25**
